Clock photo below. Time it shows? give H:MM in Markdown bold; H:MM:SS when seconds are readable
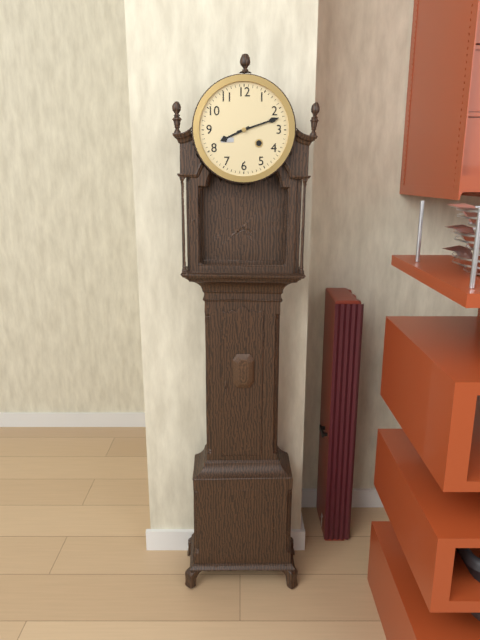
**8:12**
